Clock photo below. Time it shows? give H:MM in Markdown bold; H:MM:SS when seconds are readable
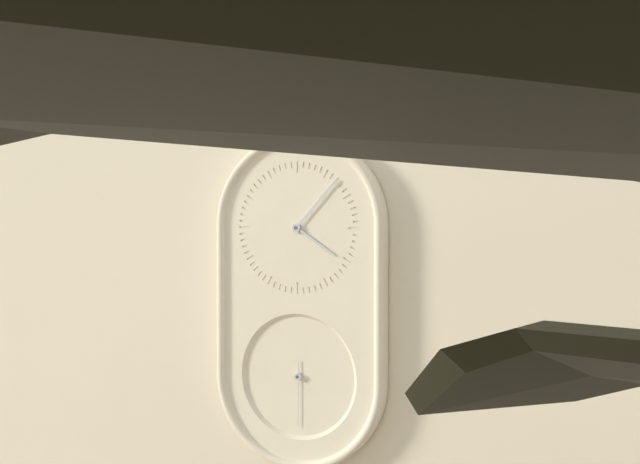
**4:07:30**
